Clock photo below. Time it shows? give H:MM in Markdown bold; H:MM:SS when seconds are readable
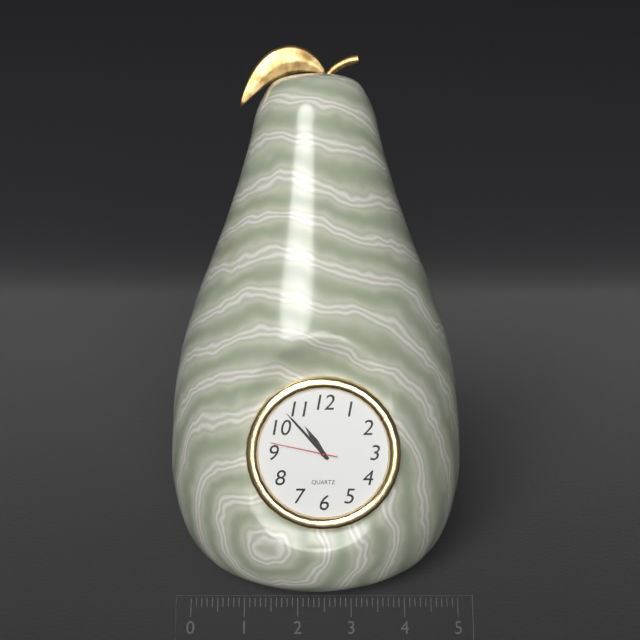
**10:53:47**
